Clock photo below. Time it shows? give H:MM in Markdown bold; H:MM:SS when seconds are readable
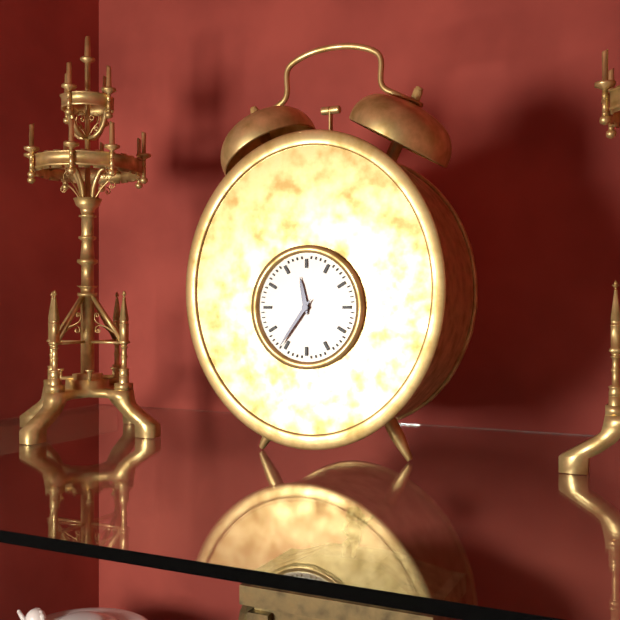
**11:36**
